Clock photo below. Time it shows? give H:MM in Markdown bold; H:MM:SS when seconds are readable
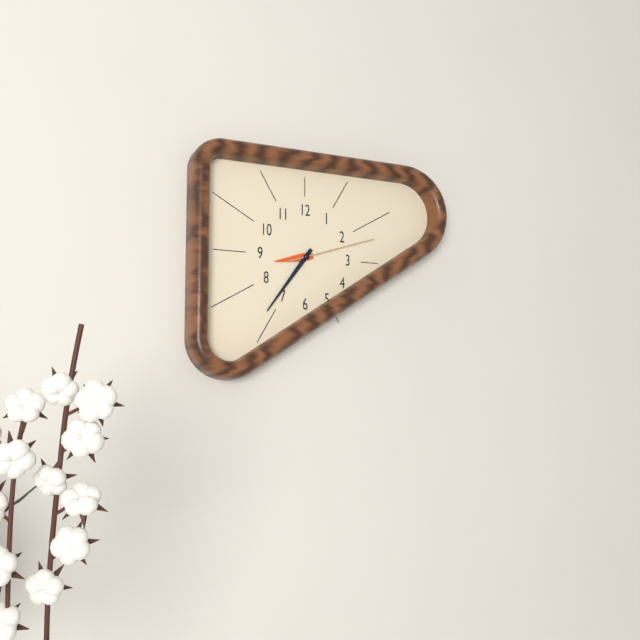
**8:36:12**
